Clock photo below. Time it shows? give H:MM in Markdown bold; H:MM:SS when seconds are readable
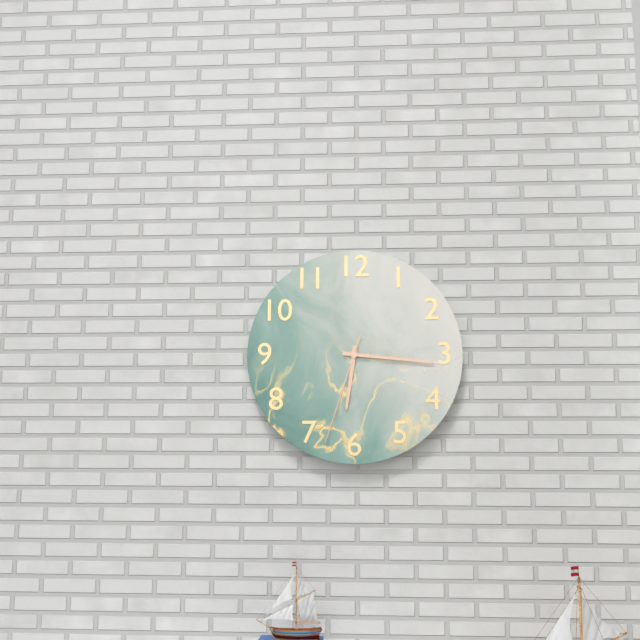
**6:16:33**
